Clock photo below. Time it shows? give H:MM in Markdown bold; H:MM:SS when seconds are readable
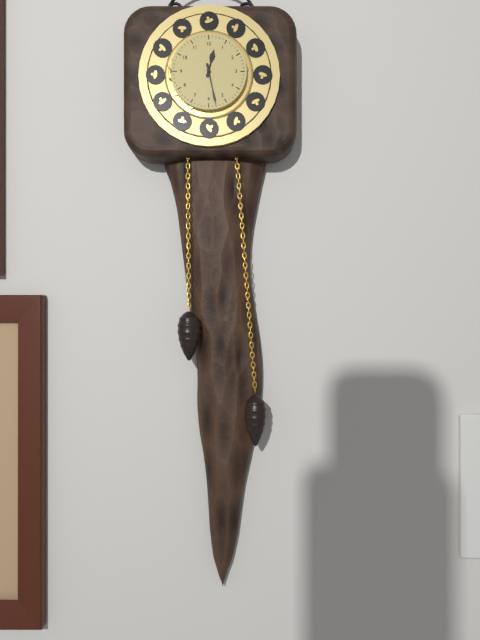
**12:28**
